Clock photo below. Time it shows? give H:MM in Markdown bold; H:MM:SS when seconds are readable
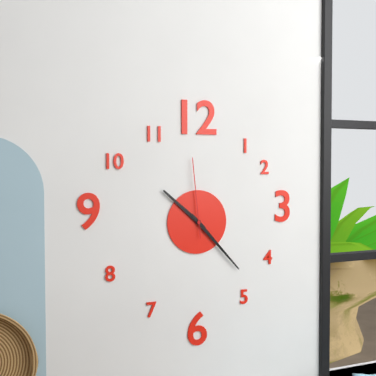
**10:23:59**
